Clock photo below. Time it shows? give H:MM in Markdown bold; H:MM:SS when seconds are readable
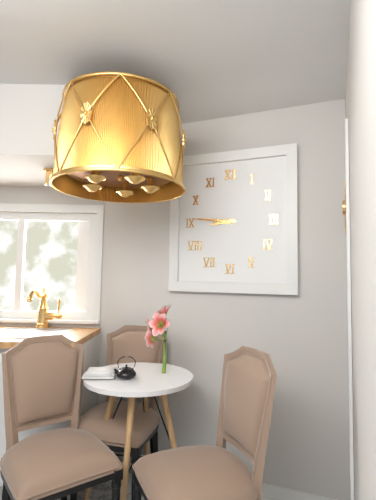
**8:46**
